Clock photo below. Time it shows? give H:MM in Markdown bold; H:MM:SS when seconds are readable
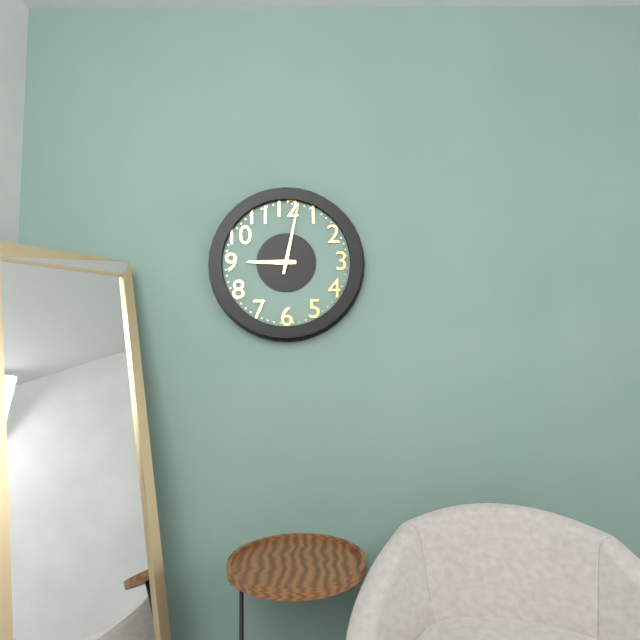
**9:02**
